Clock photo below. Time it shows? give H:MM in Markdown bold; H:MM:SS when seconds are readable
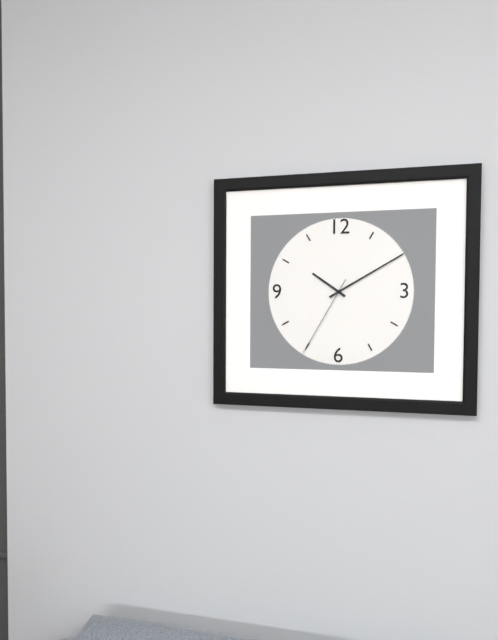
**10:10:35**
